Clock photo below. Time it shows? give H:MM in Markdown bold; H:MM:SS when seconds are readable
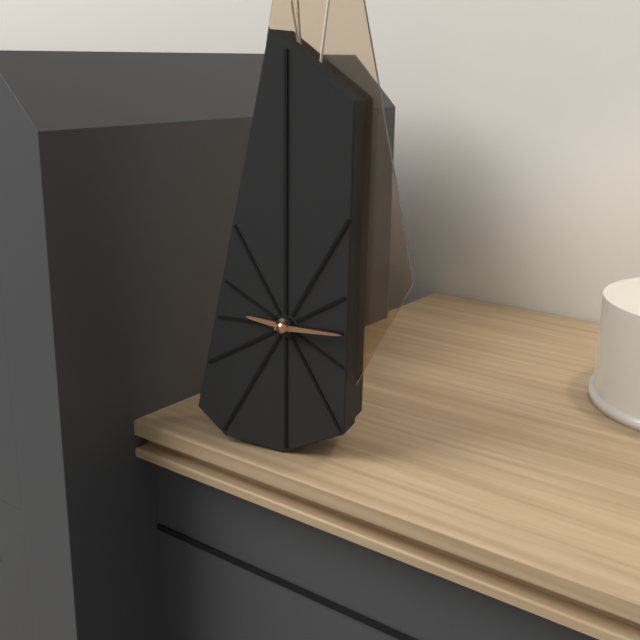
**9:15**
